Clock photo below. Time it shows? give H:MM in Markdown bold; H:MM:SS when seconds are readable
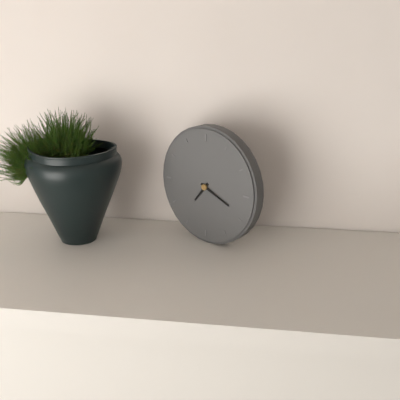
**7:19**
